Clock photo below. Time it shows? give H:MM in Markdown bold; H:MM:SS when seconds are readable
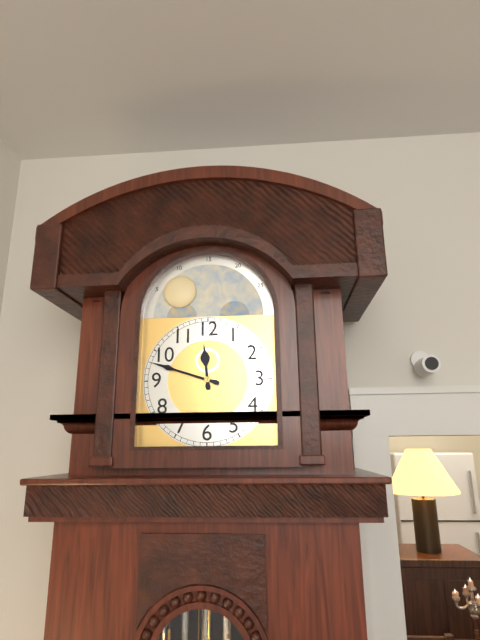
**11:48**
